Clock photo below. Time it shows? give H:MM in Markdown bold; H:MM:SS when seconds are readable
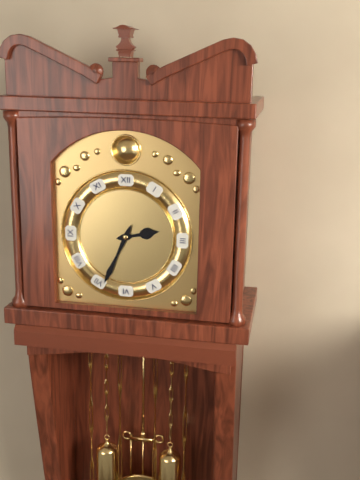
**2:34**
